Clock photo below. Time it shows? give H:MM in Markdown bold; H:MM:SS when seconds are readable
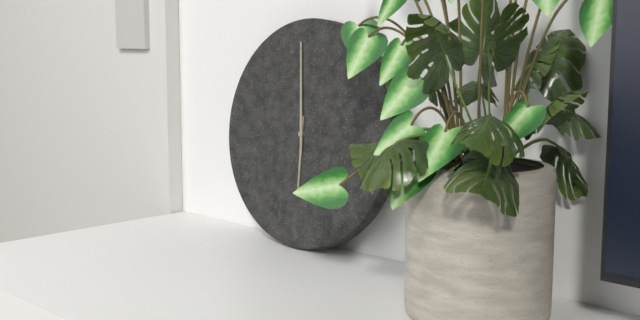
**5:59**
